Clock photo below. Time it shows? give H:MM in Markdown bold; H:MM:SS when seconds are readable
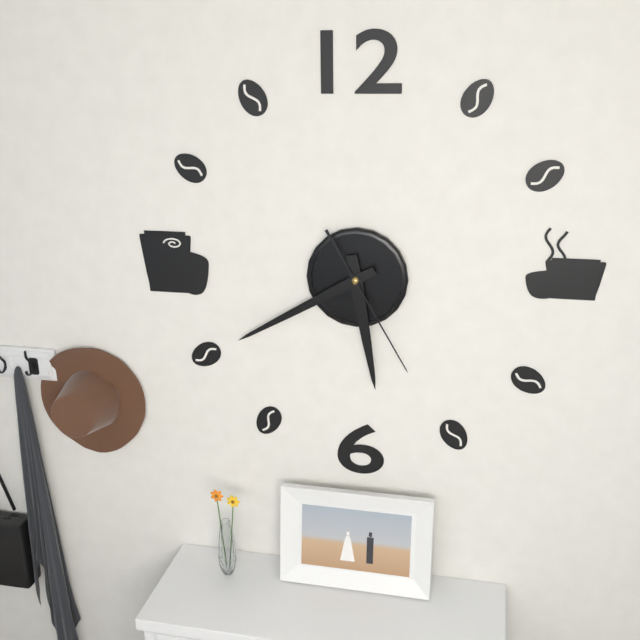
**5:40:25**
